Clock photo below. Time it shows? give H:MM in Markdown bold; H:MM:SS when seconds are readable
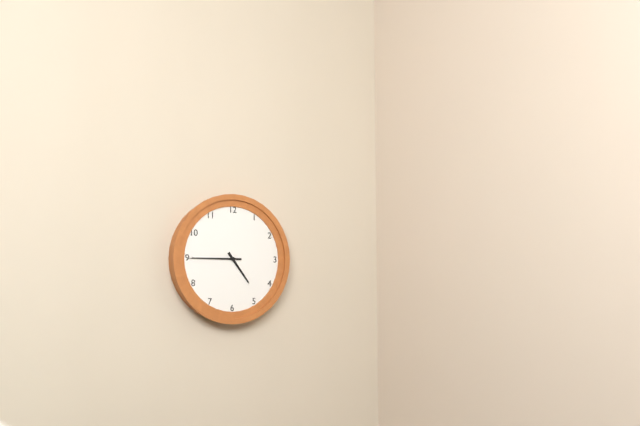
**4:45**
